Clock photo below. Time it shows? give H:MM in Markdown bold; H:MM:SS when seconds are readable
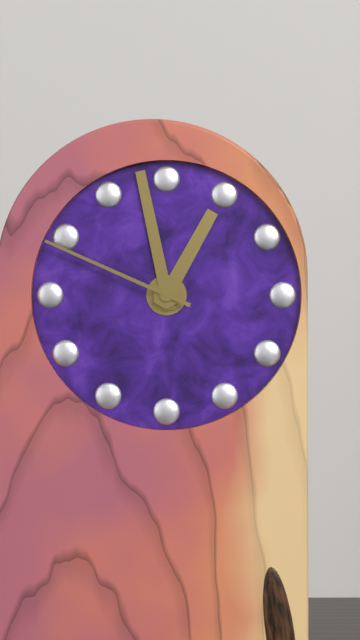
**12:58:49**
